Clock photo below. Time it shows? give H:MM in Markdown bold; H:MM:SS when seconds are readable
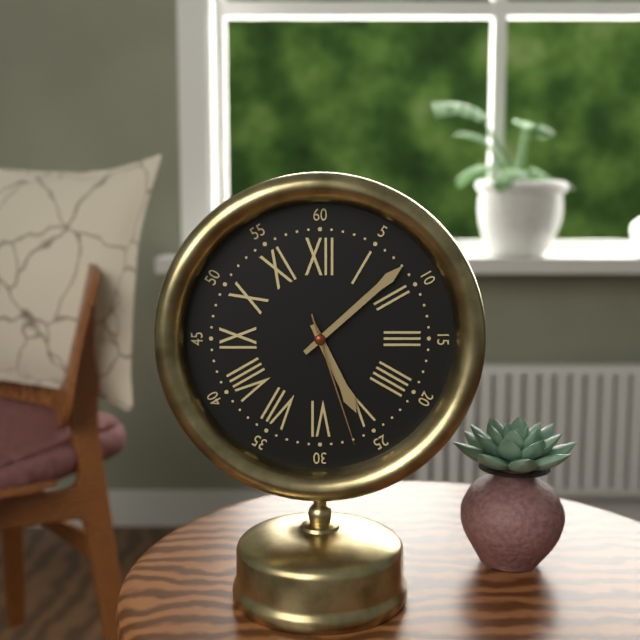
**5:08:27**
